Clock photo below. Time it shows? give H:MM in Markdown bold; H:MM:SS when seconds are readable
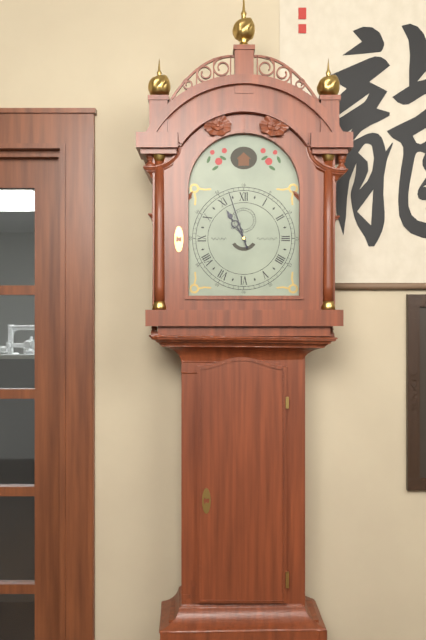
**10:57**
